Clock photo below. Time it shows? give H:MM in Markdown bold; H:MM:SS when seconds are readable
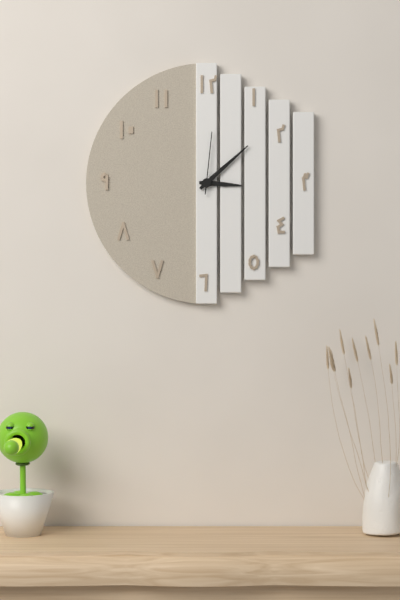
**3:08:01**
